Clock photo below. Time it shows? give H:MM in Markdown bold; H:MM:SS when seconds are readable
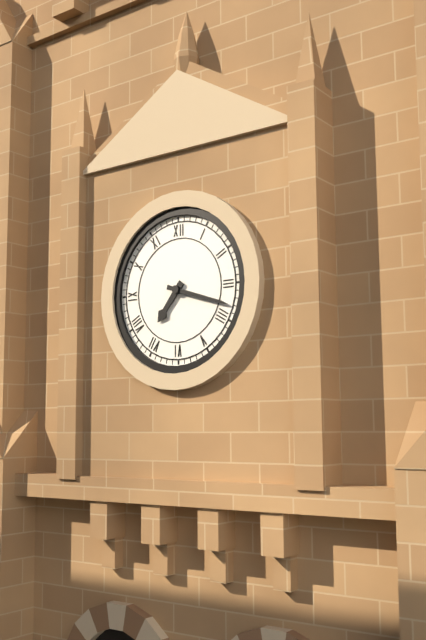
**7:18**
